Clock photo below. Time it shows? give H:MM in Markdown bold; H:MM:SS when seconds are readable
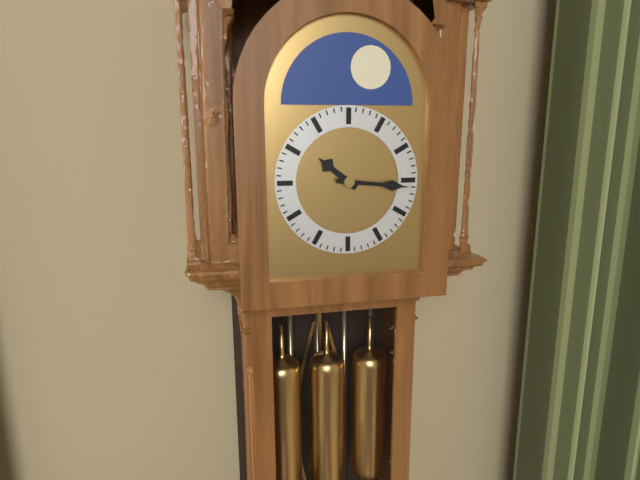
**10:16**
